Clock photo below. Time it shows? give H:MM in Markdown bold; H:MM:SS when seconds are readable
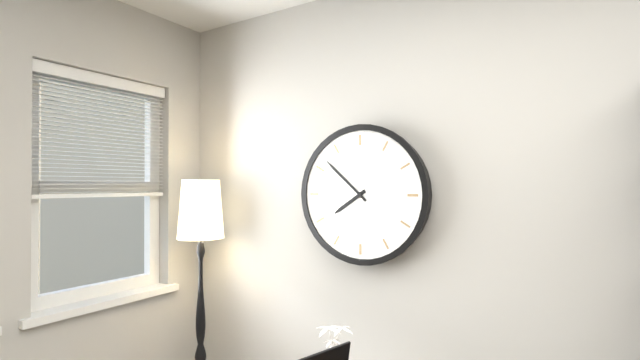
**7:52**
